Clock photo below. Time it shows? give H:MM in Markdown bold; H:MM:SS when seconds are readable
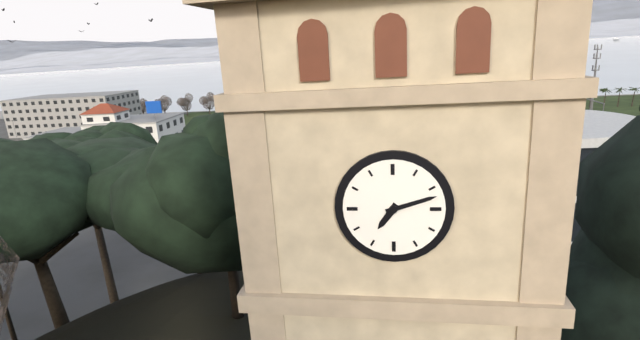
**7:12**
